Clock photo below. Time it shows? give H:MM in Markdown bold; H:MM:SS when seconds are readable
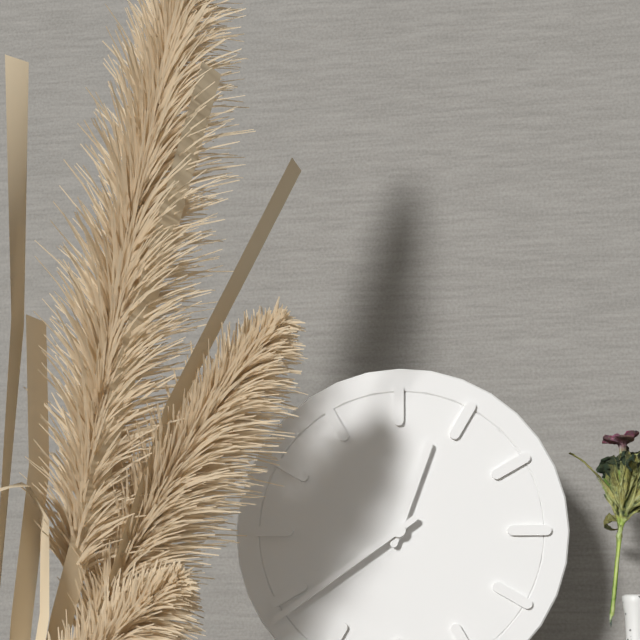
**12:39**
